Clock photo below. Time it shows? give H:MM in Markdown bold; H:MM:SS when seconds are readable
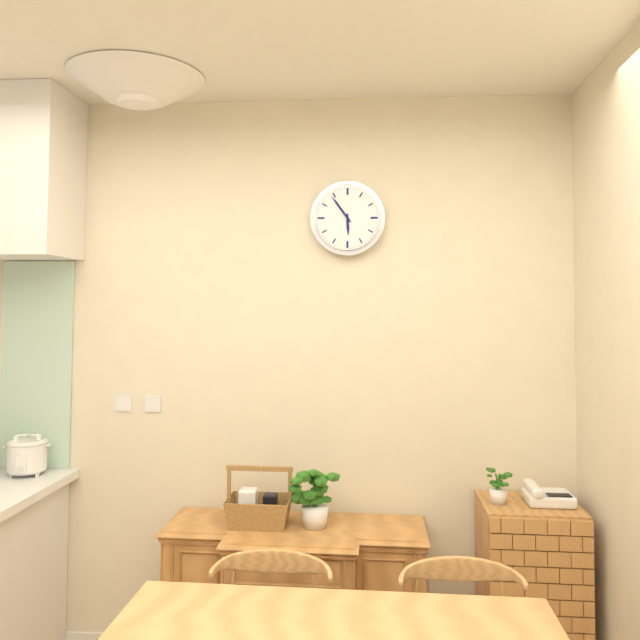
**5:54**
